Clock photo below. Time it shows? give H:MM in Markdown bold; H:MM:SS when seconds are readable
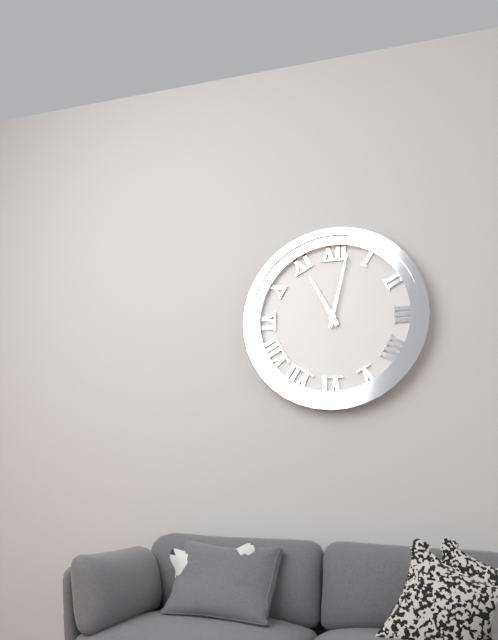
**11:02**
